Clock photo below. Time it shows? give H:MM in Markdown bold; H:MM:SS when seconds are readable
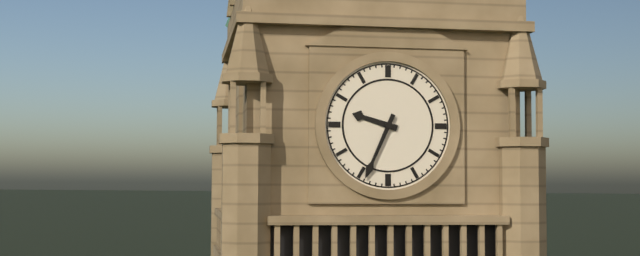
**9:34**
